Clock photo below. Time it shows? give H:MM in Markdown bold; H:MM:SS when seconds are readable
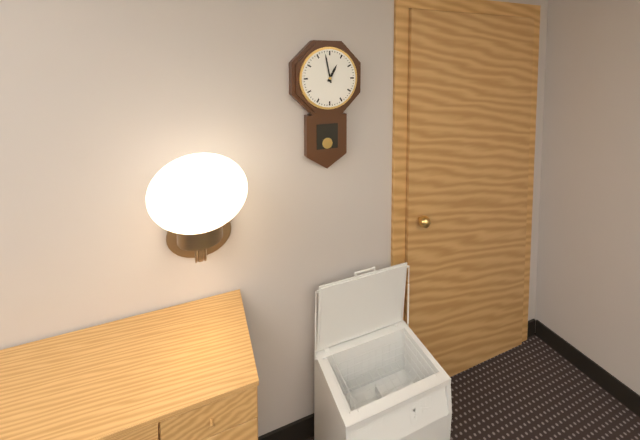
**12:58**
